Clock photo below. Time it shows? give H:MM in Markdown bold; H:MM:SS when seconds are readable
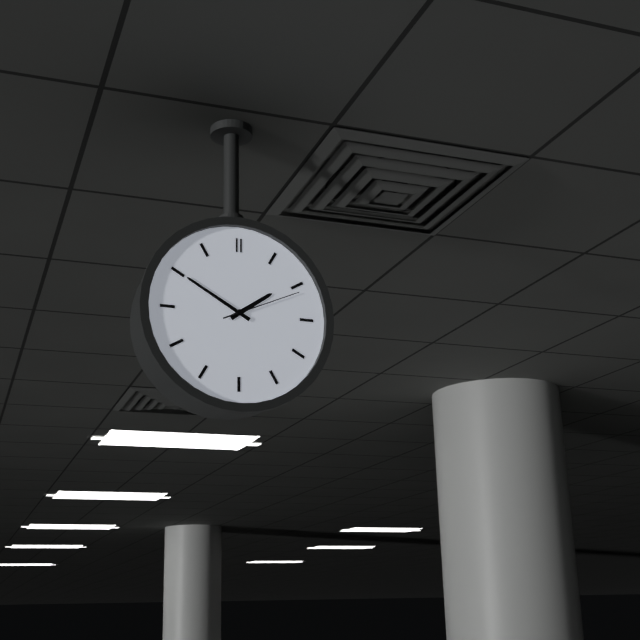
**1:50:11**
